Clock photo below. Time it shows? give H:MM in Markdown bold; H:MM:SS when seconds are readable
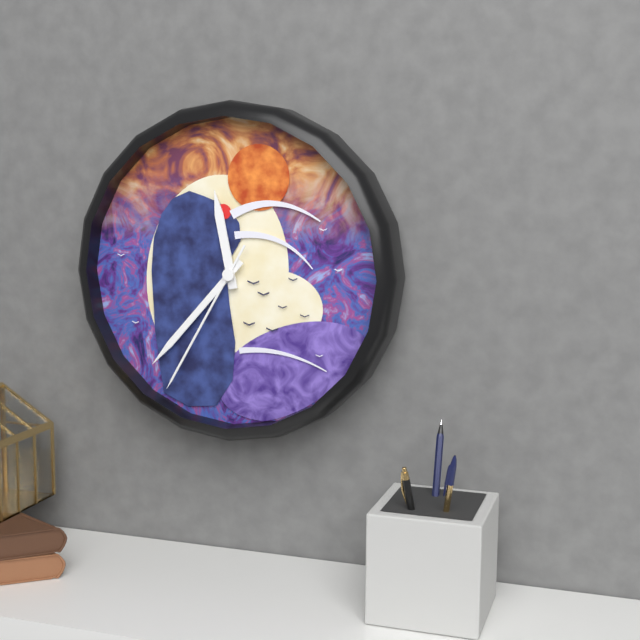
**11:37:35**
